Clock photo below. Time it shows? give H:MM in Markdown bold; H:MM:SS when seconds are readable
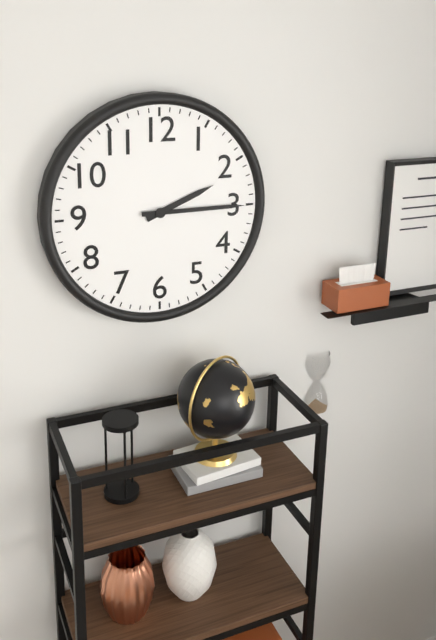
**2:15**
